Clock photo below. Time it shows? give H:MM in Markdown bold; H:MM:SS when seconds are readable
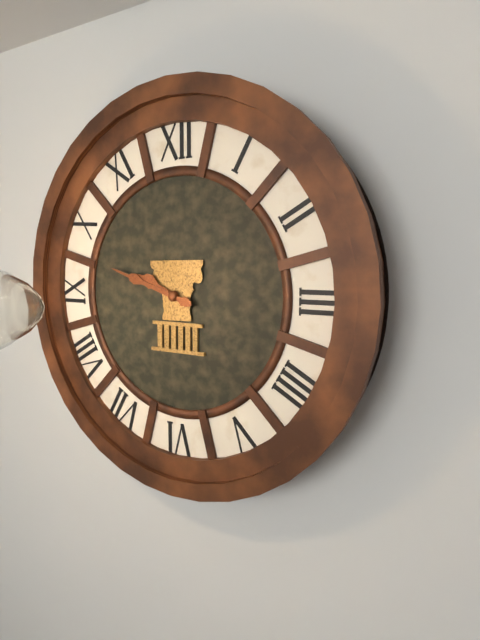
**9:48**
